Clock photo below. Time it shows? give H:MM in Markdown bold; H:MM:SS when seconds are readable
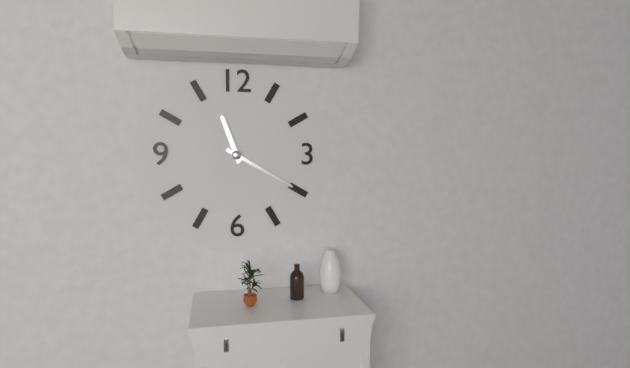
**11:20**
